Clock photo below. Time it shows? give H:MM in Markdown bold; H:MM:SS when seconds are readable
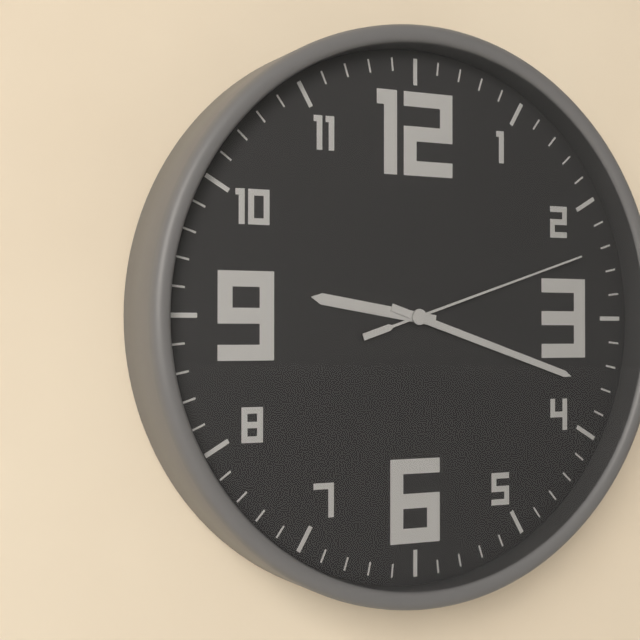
**9:18:12**
